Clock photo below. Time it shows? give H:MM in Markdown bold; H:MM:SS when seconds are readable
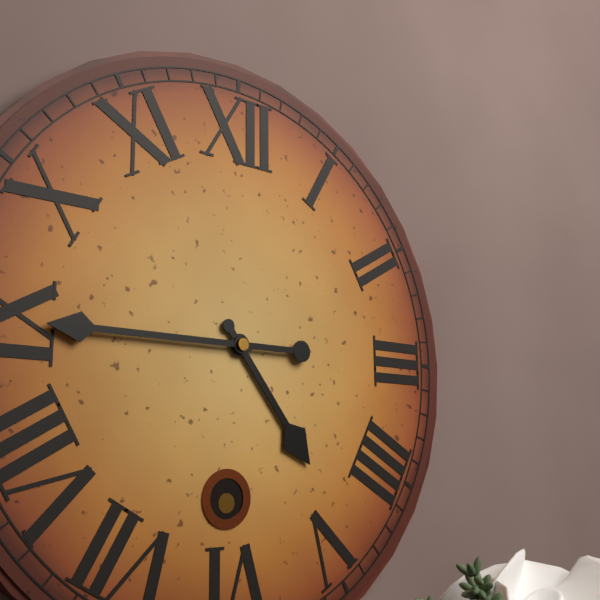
**4:45**
